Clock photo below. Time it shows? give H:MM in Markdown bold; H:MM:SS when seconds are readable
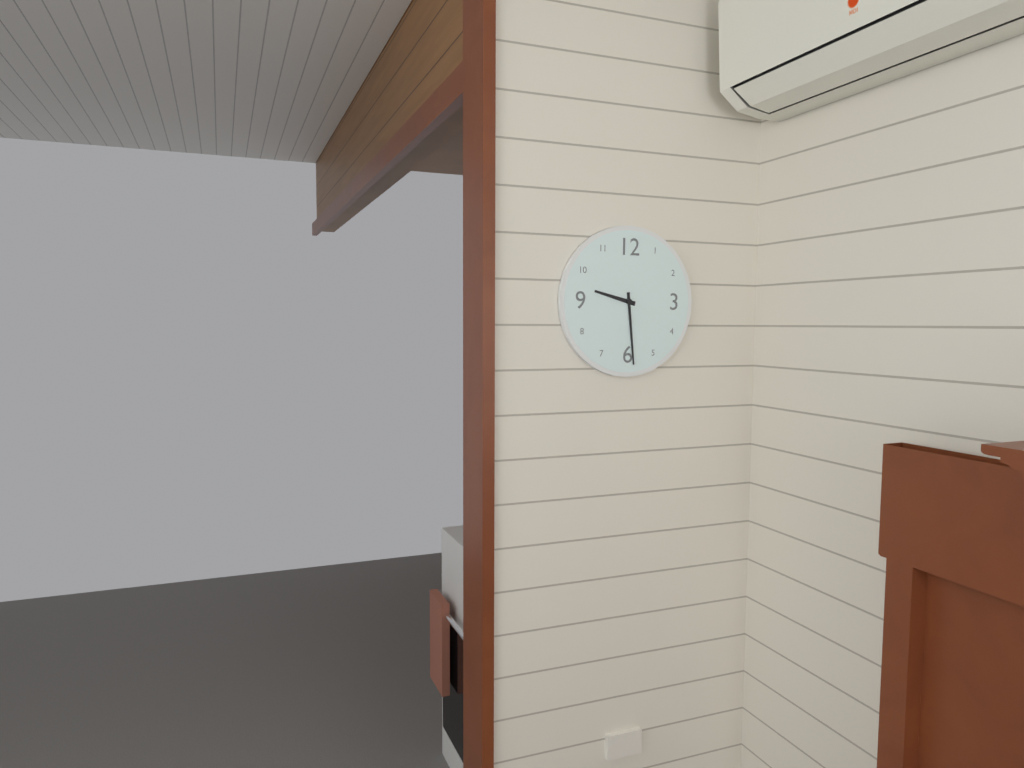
**9:29**
